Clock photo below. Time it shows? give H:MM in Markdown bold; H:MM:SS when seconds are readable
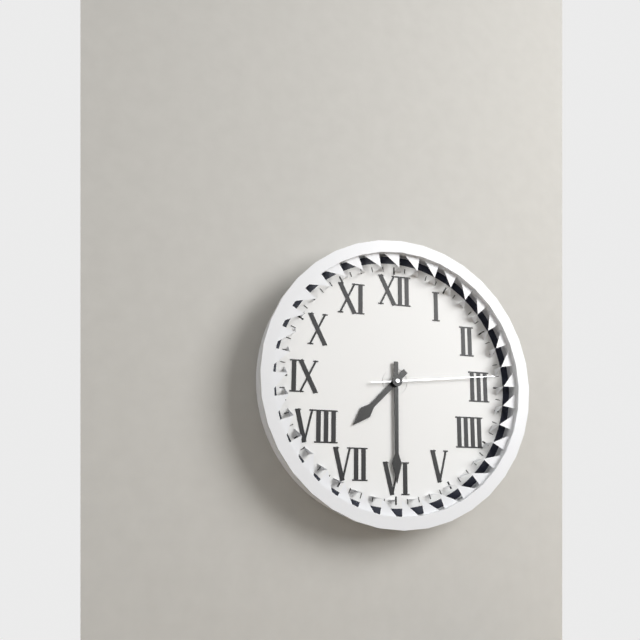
**7:30:14**
